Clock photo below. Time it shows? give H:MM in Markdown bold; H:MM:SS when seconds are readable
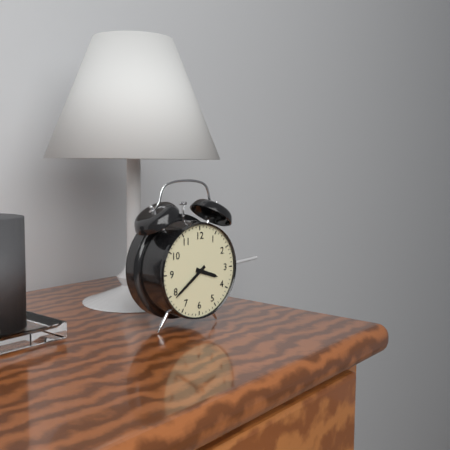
**3:39**
